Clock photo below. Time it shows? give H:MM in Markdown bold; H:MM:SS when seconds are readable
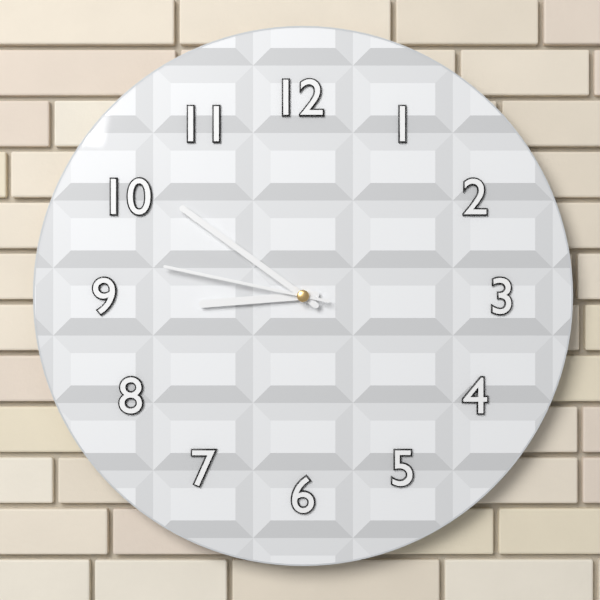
**8:51:47**
